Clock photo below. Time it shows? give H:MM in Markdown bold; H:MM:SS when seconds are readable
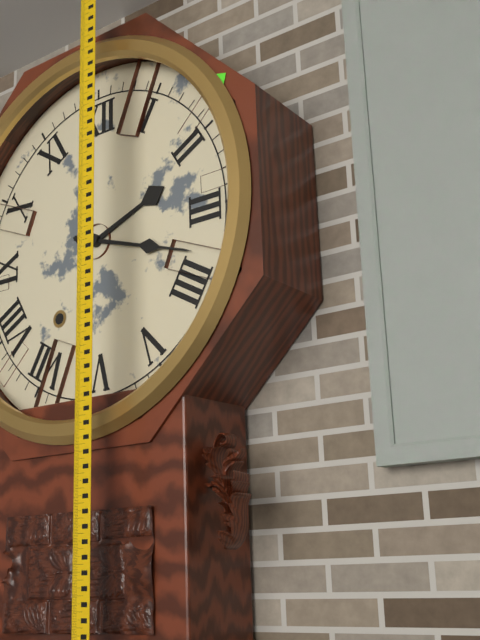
**2:18**
